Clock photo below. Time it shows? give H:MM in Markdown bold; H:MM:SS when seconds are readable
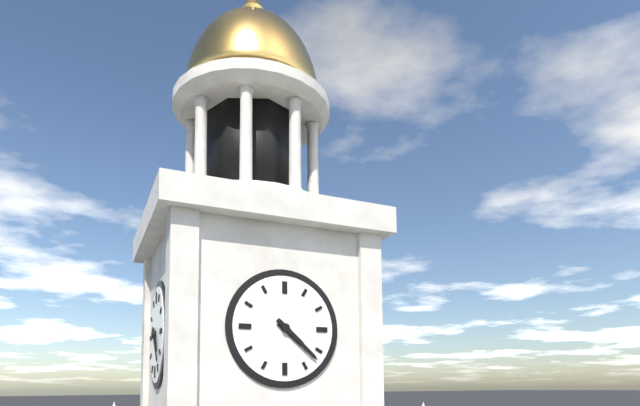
**4:22**
